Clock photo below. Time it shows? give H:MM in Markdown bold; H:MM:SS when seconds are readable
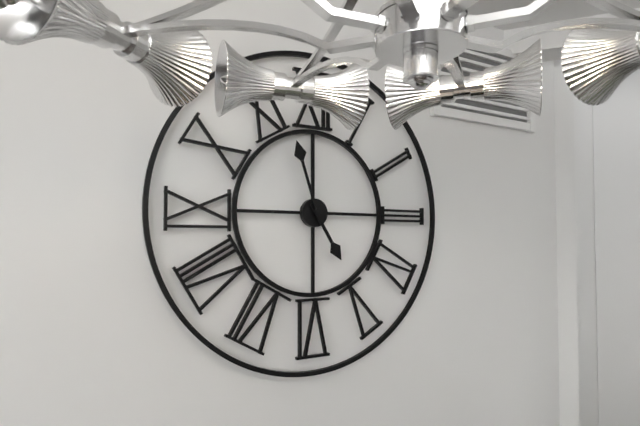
**4:57**
